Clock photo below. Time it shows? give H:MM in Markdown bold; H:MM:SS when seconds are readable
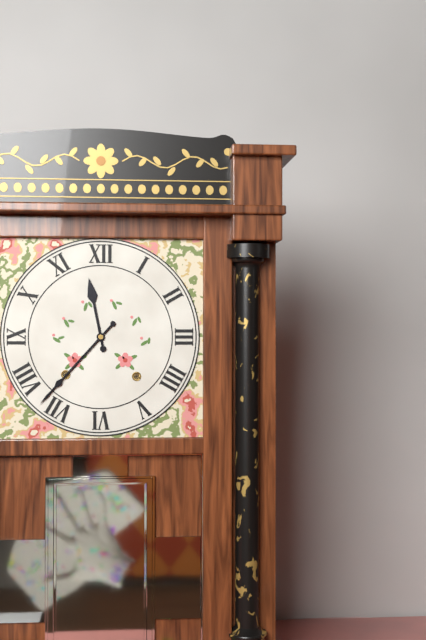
**11:37**
